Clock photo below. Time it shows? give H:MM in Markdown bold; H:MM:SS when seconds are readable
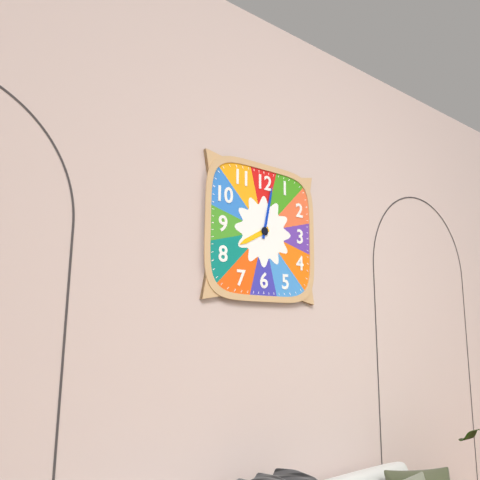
**8:02**
